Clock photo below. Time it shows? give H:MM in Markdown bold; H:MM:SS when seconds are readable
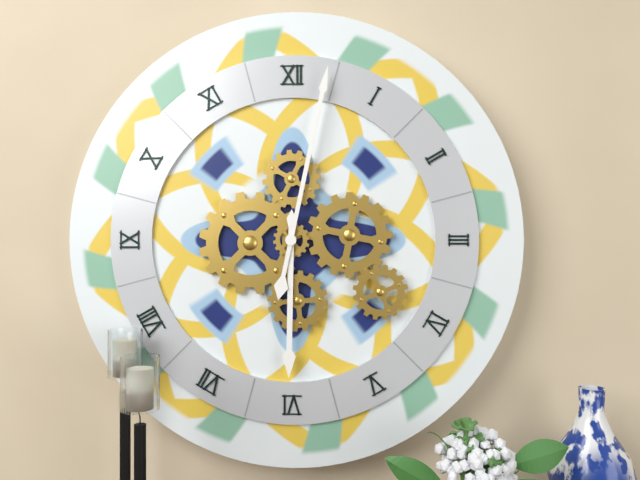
**6:02**
